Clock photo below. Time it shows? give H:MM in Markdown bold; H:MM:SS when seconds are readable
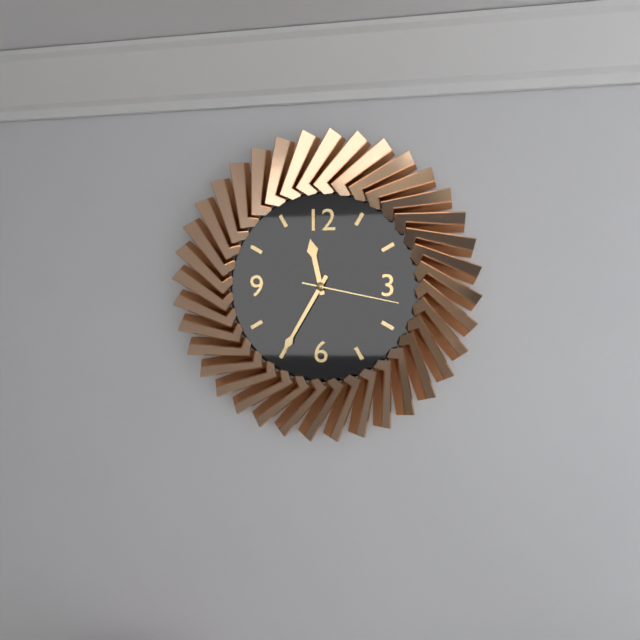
**11:35:17**
